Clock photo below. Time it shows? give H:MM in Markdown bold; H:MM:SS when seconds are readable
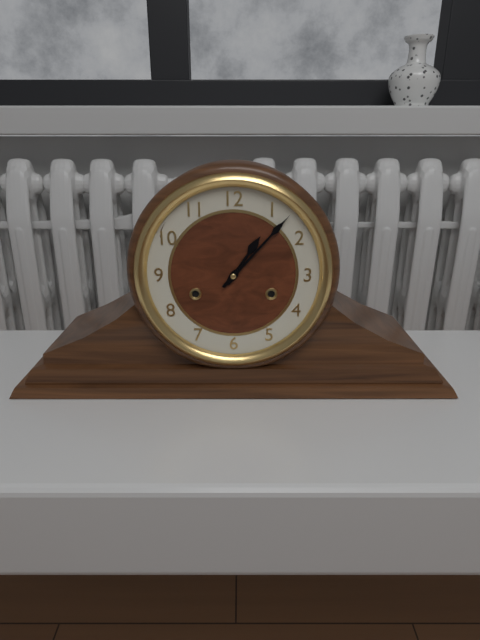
**1:07**
